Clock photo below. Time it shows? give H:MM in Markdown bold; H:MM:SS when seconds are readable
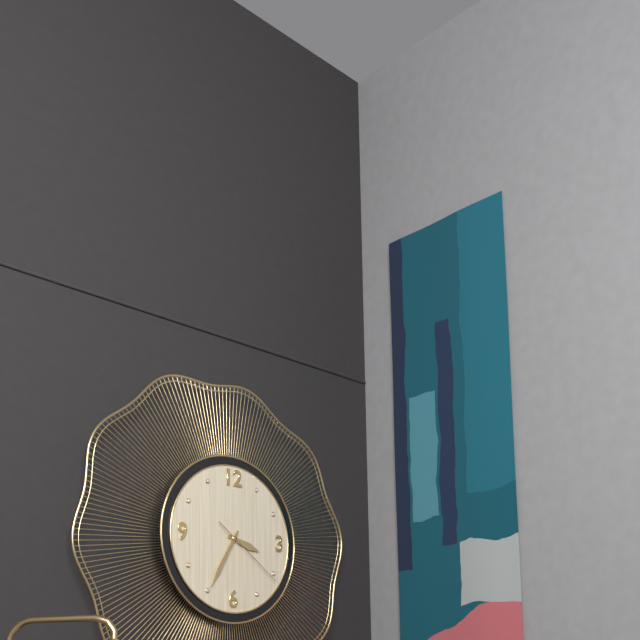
**3:35:21**
